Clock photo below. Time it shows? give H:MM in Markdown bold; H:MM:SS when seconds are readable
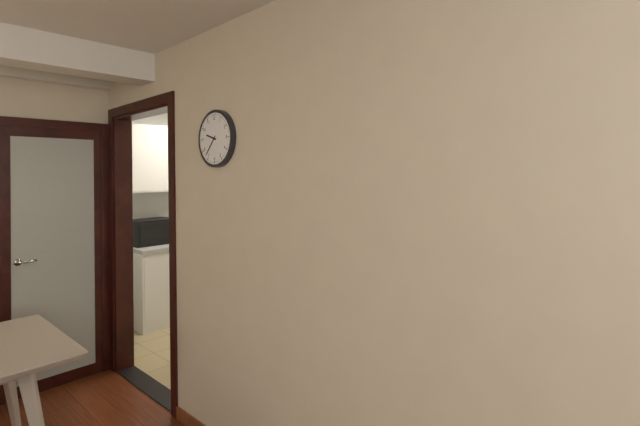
**9:37**
